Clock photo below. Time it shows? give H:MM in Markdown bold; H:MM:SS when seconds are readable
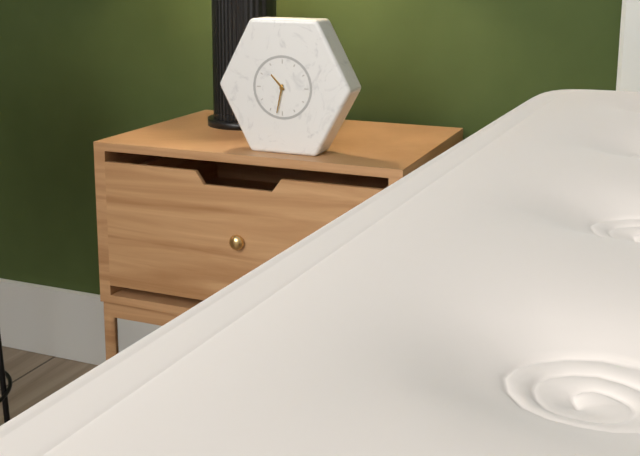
**10:32**
